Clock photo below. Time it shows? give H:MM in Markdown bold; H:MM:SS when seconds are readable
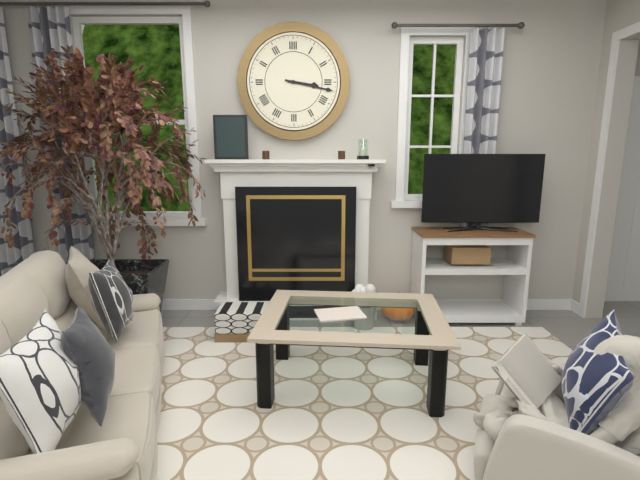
**3:17**
